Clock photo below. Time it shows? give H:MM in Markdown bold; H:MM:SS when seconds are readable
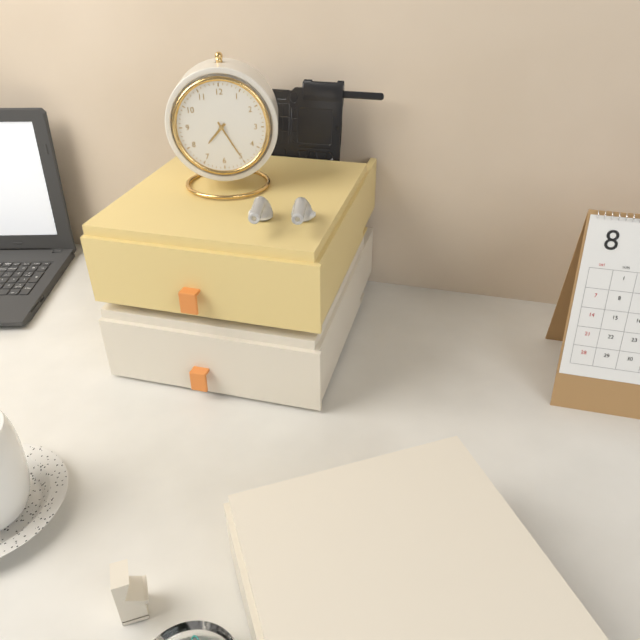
**7:25**
